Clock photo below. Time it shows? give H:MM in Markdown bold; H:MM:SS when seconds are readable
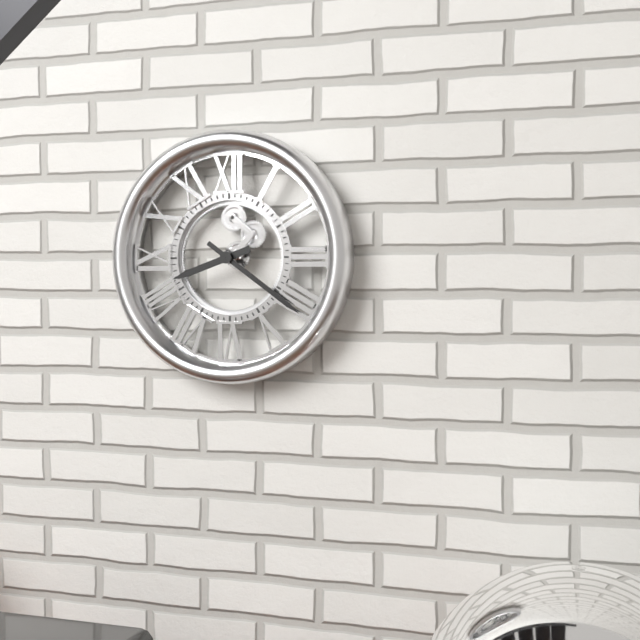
**8:21**
